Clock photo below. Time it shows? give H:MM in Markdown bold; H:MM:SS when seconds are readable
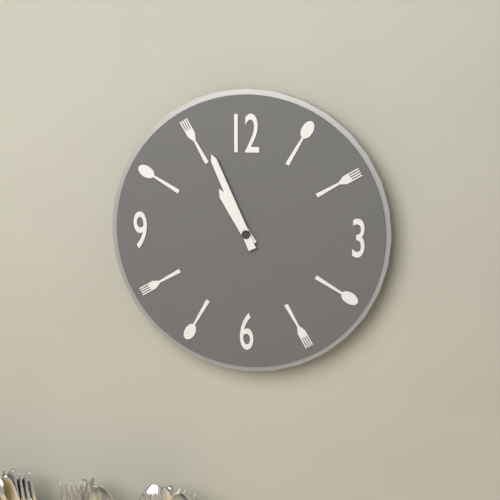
**10:56**
